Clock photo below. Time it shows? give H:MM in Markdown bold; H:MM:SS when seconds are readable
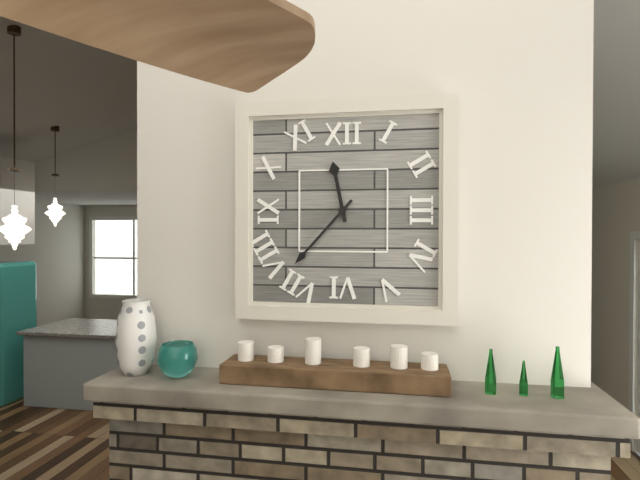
**11:37**
